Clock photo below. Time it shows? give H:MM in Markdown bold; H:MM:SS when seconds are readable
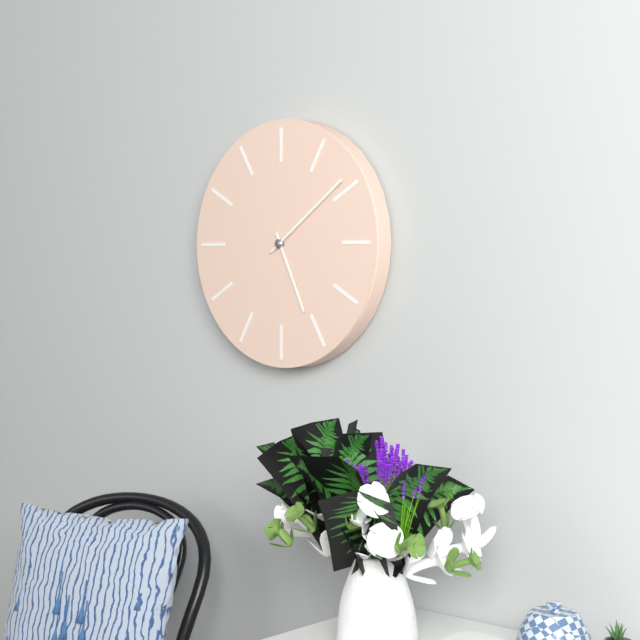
**5:09**
